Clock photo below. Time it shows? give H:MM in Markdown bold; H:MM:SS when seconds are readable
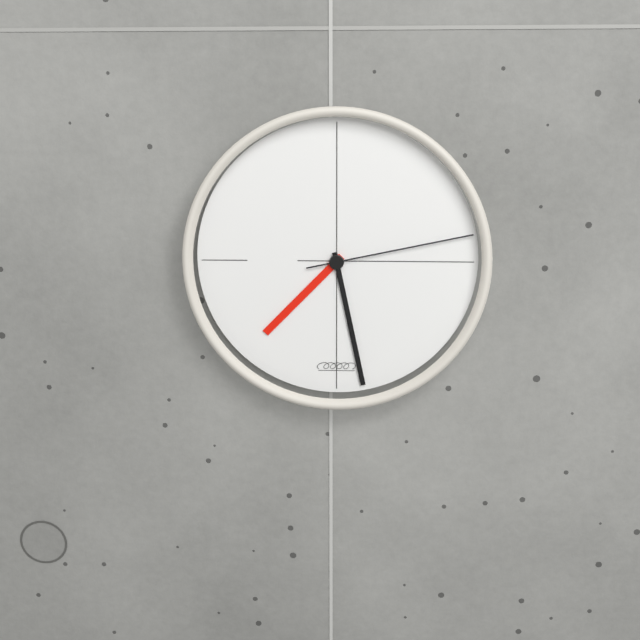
**7:28:13**
